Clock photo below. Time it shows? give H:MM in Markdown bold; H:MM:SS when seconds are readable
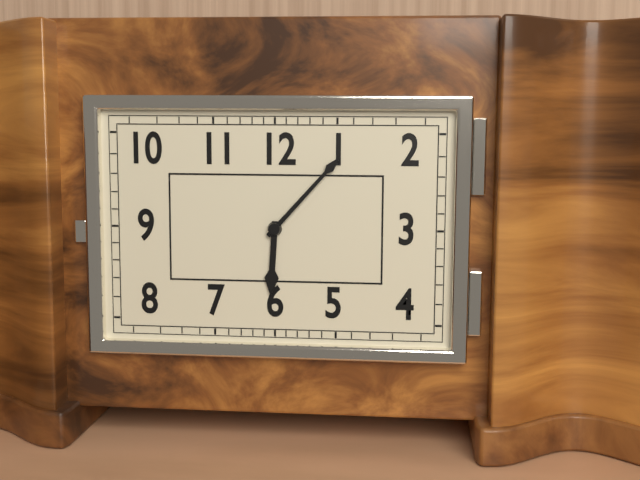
**6:07**
